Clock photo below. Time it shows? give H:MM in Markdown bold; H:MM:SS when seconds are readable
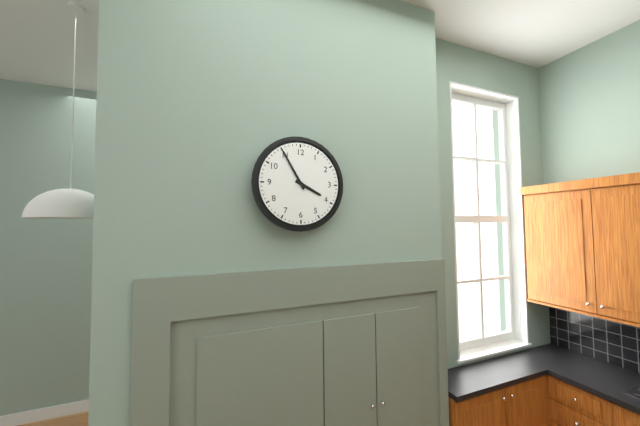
**3:55**
